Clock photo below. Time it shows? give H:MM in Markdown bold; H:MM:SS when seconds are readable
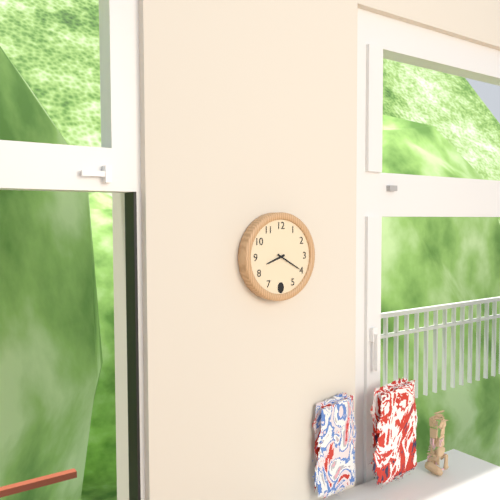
**8:20**
